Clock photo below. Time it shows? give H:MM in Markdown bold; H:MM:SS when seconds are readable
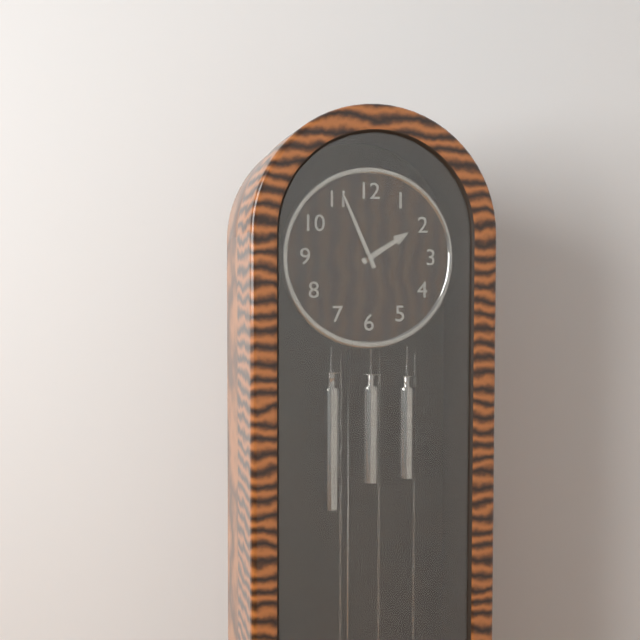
**1:56**
